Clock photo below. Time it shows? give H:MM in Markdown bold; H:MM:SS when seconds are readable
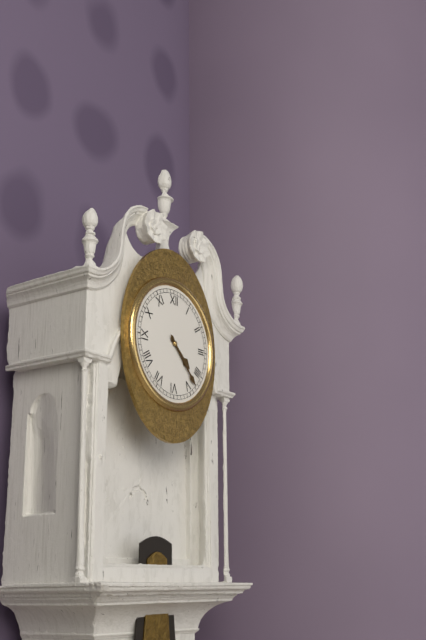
**4:23**
